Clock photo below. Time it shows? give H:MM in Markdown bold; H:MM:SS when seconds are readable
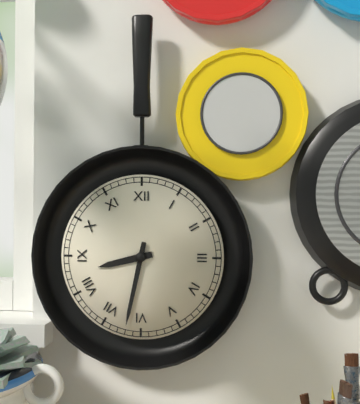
**8:32**
